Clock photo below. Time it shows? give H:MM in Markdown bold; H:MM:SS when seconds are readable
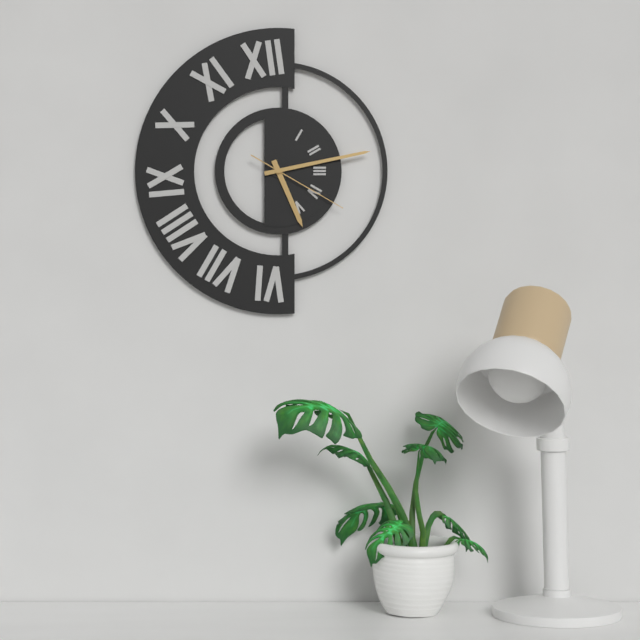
**5:13:20**
